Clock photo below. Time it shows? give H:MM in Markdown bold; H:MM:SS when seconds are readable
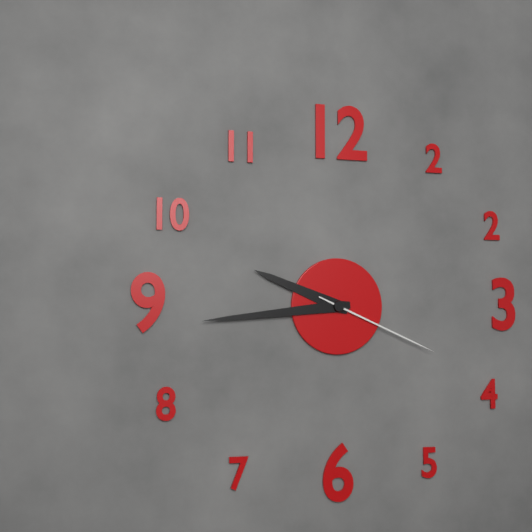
**9:44:19**
